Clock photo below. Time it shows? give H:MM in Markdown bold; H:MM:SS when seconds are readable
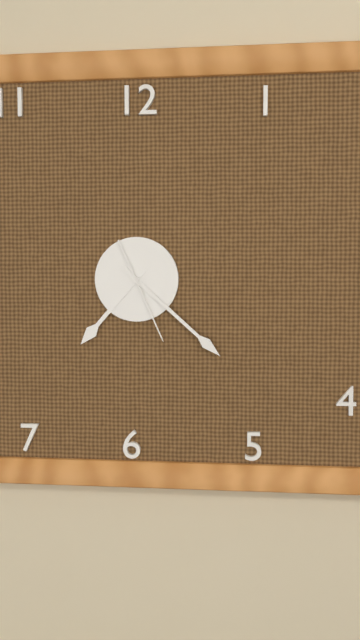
**7:22:26**
